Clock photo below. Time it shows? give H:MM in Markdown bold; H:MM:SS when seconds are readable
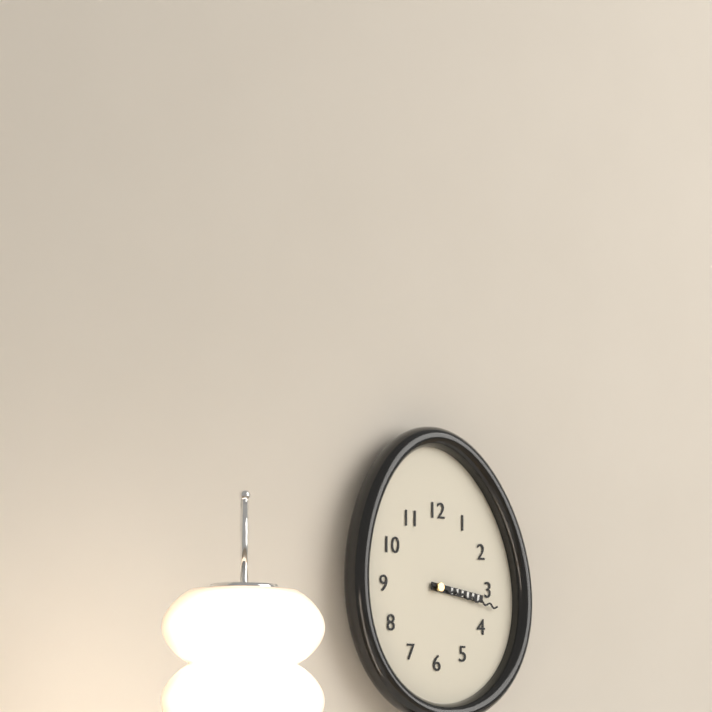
**3:17**
